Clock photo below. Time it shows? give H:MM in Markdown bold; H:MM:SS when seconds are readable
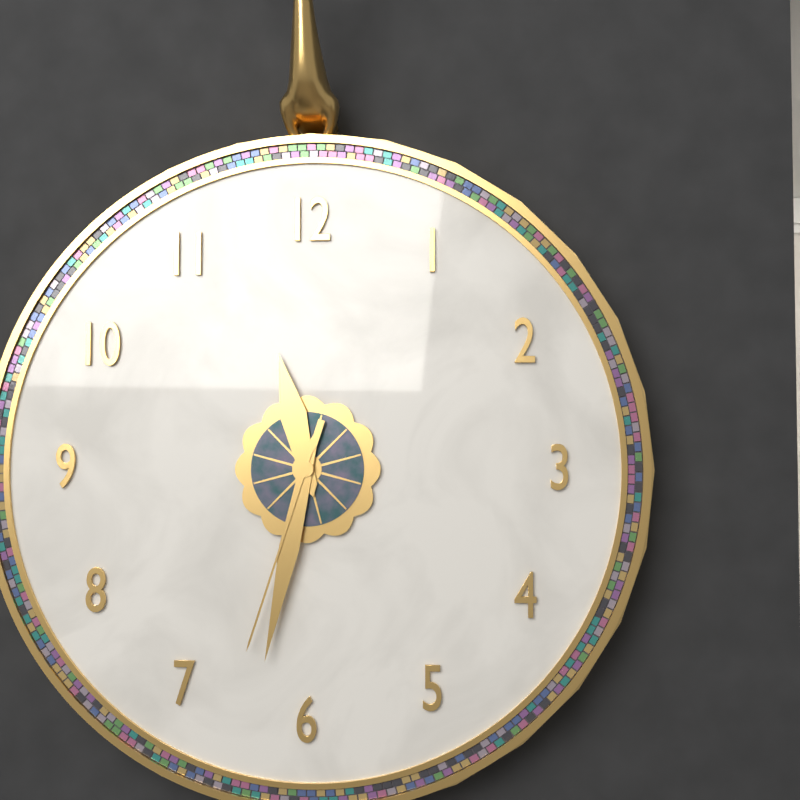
**11:32:33**
